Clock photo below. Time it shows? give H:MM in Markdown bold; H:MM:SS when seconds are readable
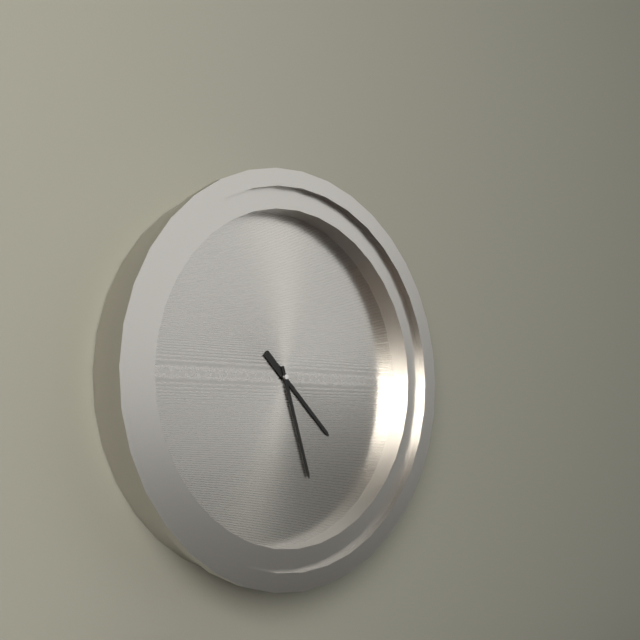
**4:27**
